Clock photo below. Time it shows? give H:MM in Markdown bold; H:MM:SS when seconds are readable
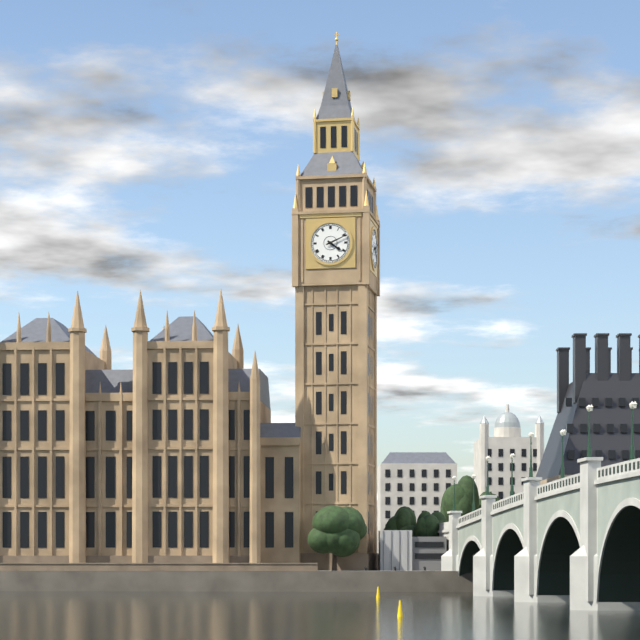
**4:11**
